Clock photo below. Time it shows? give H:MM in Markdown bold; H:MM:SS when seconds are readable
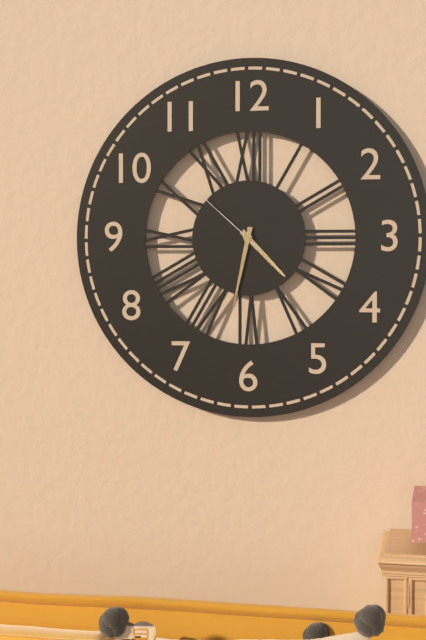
**4:32:52**
